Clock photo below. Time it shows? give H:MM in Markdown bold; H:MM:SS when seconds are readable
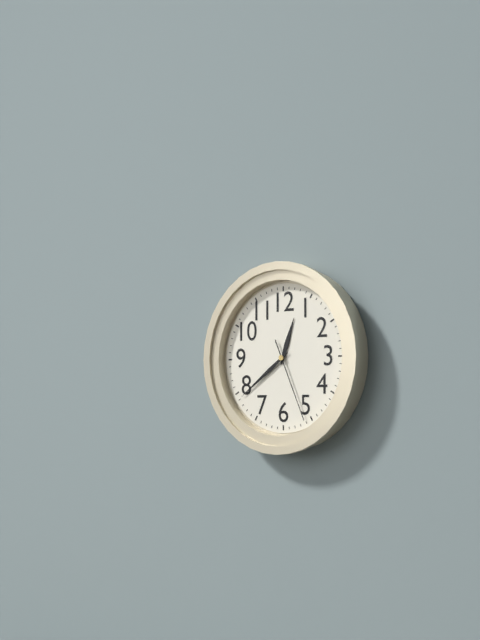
**12:39:26**
